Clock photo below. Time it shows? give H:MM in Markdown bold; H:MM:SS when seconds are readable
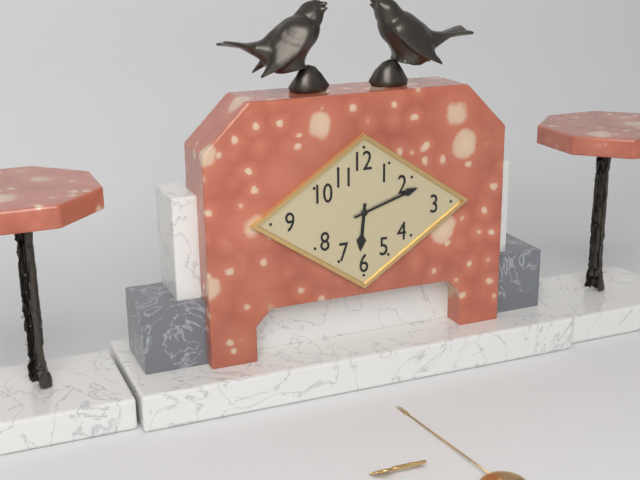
**6:12**
